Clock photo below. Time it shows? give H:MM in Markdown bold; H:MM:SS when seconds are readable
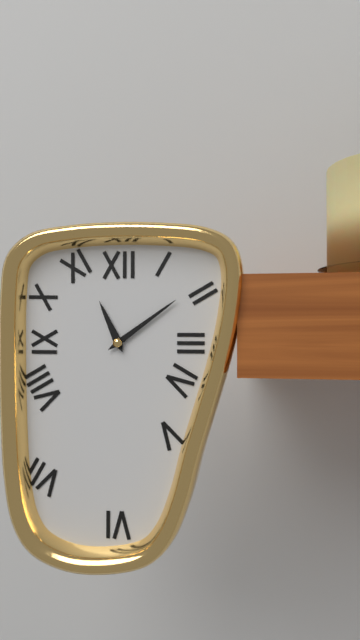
**11:09**
